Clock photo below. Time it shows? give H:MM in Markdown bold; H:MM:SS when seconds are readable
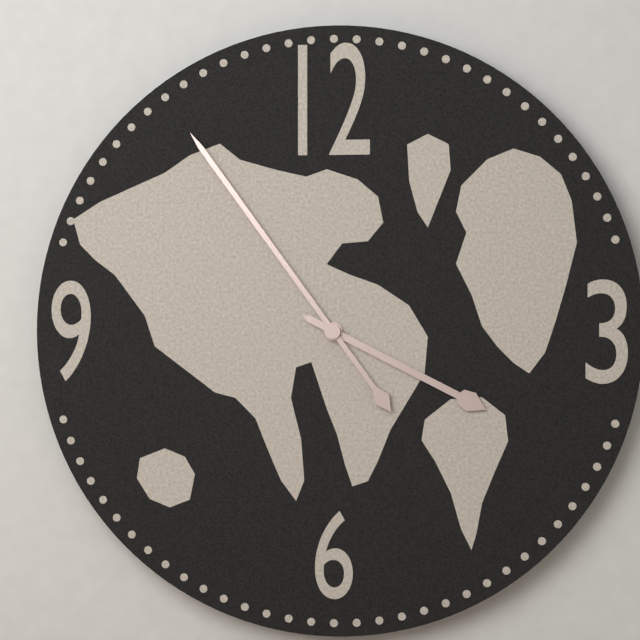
**3:54**
